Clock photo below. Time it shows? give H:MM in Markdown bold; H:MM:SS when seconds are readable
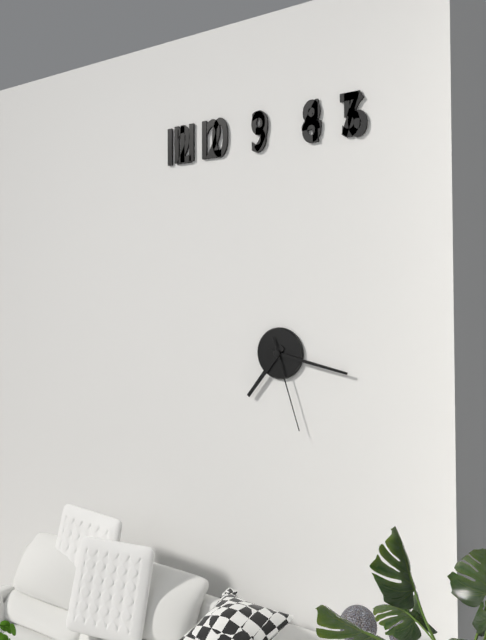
**7:17:27**
